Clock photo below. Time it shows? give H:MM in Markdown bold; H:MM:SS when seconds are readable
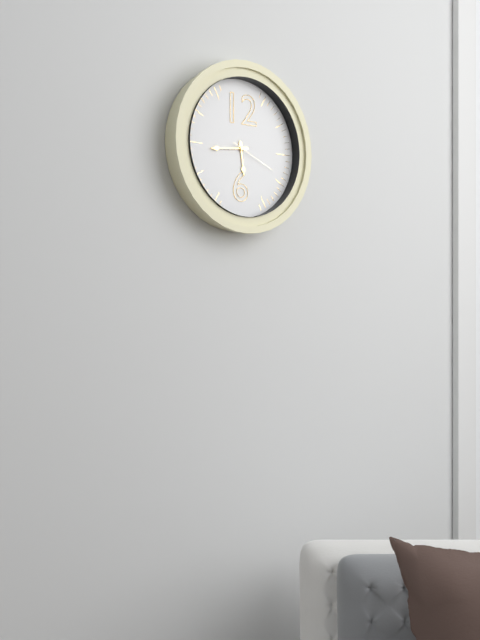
**5:44**
